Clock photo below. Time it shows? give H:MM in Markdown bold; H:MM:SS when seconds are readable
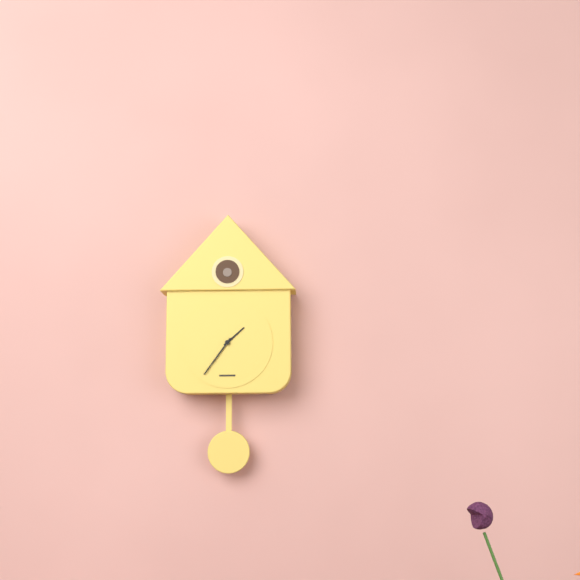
**1:36**
